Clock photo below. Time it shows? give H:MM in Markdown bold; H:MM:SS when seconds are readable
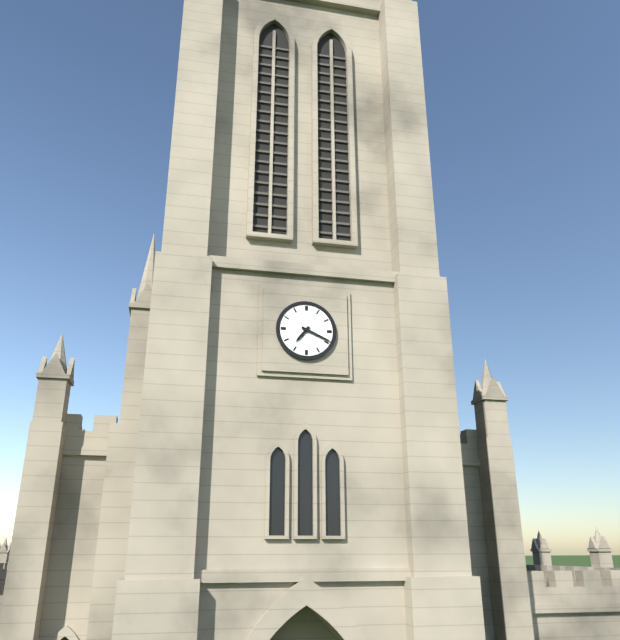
**7:19**
